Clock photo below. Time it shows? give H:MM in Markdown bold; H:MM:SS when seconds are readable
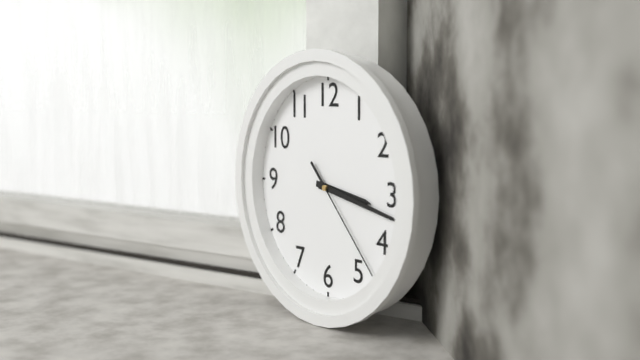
**3:17:23**
